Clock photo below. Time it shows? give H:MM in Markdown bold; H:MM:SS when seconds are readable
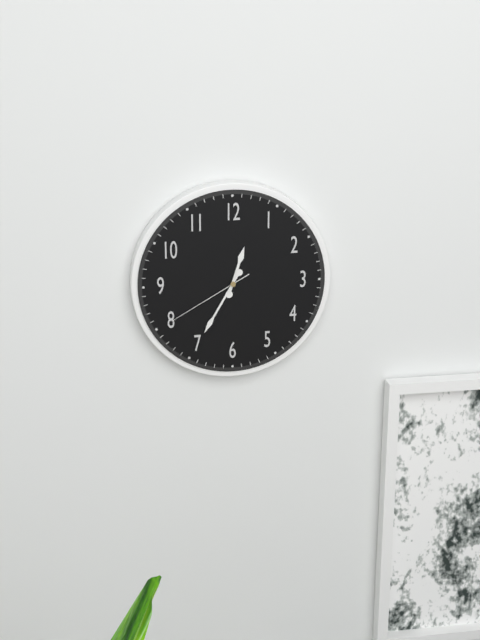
**12:35:40**
